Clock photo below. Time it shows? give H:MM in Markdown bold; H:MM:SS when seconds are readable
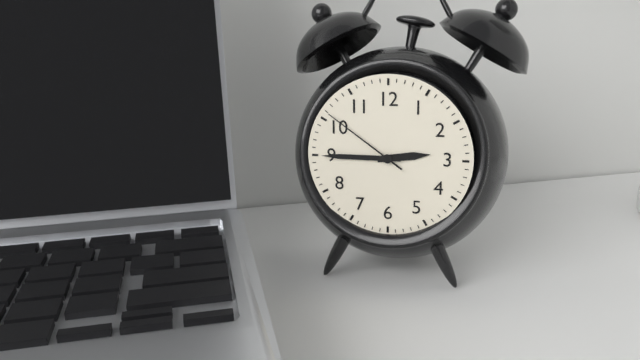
**2:45:51**
